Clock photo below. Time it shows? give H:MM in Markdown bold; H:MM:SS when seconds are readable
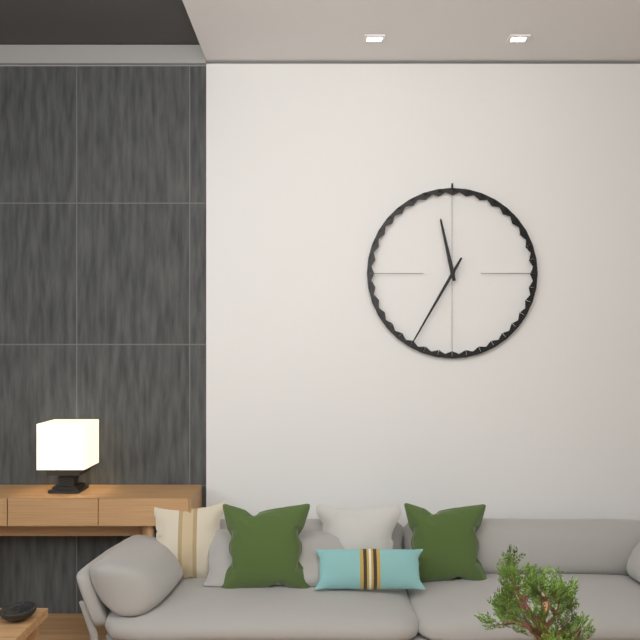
**11:35**
